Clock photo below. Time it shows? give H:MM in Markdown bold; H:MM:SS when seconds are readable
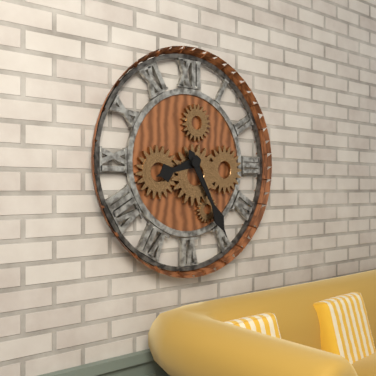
**8:25**
